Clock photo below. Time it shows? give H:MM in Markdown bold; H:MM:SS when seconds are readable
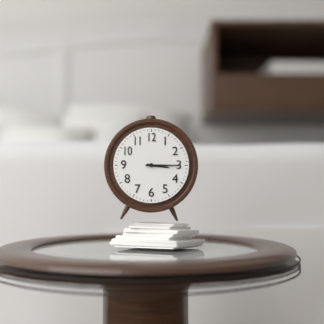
**3:15**
